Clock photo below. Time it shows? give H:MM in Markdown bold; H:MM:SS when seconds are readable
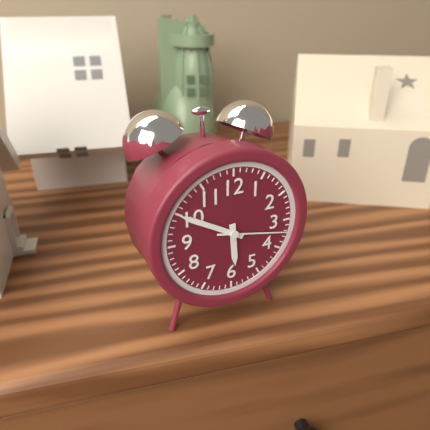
**5:50:17**
